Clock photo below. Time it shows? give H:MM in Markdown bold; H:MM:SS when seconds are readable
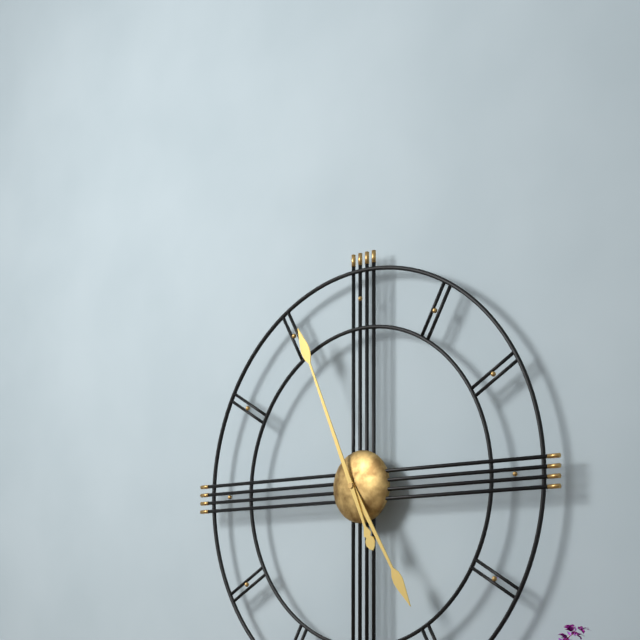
**4:56**
